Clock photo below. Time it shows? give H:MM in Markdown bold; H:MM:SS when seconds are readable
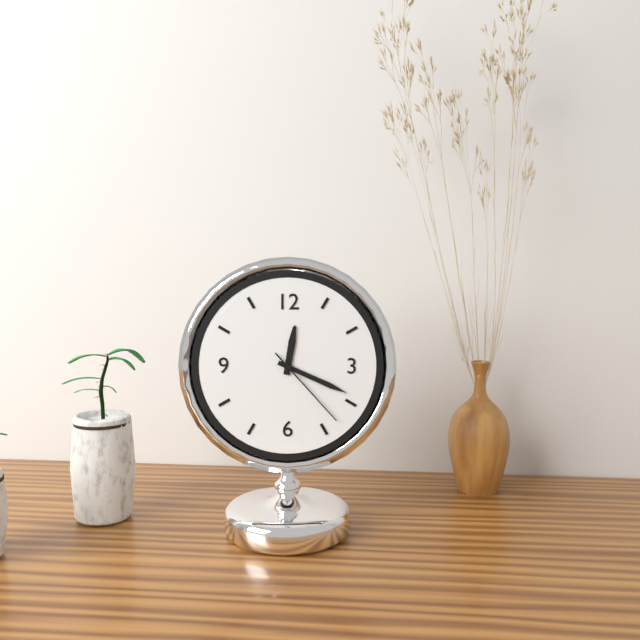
**12:19:23**
